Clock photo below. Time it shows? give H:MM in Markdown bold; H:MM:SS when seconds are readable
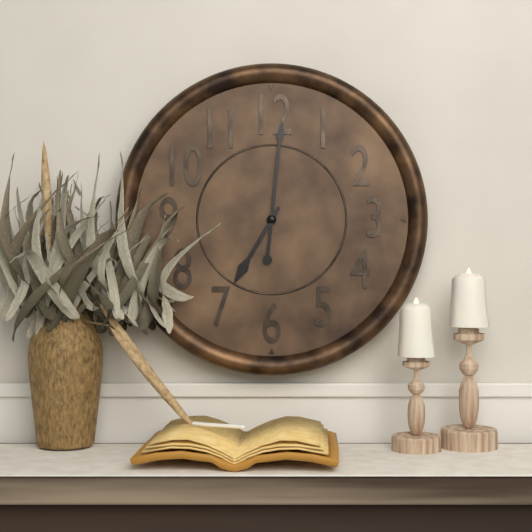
**7:01**
